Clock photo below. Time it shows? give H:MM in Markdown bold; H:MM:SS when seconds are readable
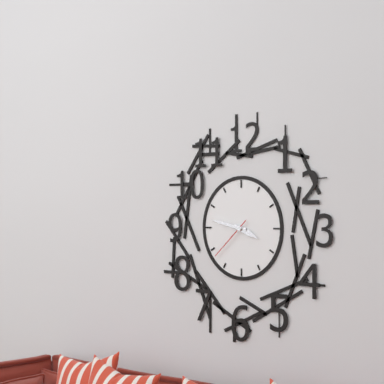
**3:47**
